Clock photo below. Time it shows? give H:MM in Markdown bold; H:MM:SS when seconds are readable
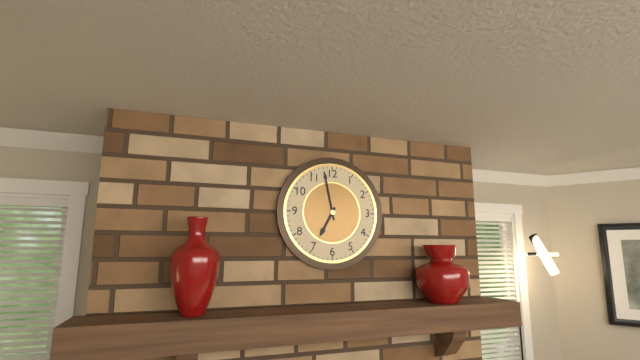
**6:58**
